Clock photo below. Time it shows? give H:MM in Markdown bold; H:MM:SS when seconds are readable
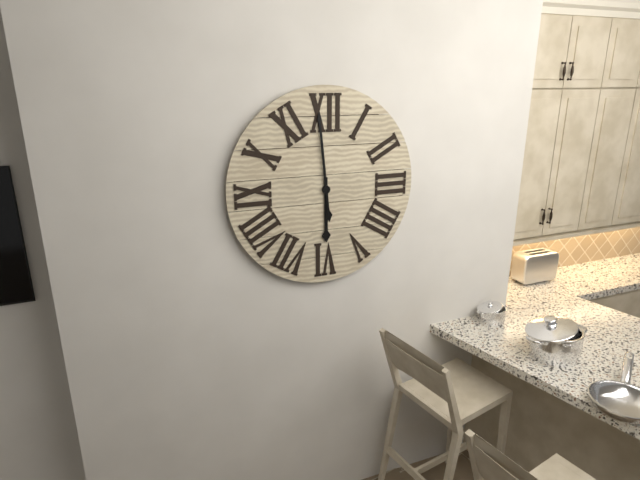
**5:59**
